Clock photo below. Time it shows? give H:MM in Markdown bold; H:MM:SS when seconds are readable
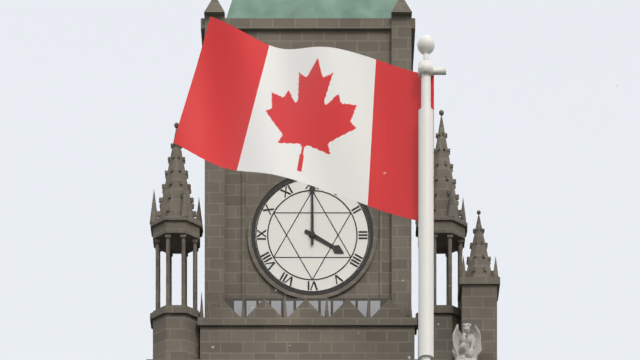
**4:00**
